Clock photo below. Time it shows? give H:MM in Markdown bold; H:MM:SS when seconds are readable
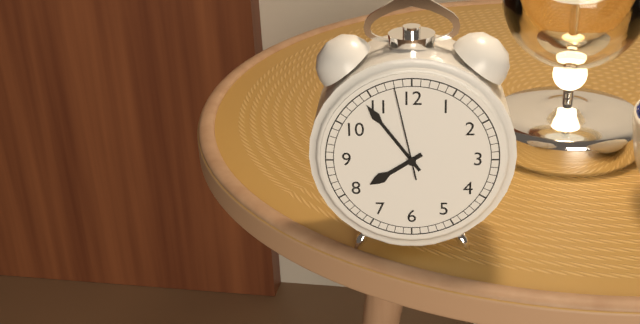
**7:54:58**
